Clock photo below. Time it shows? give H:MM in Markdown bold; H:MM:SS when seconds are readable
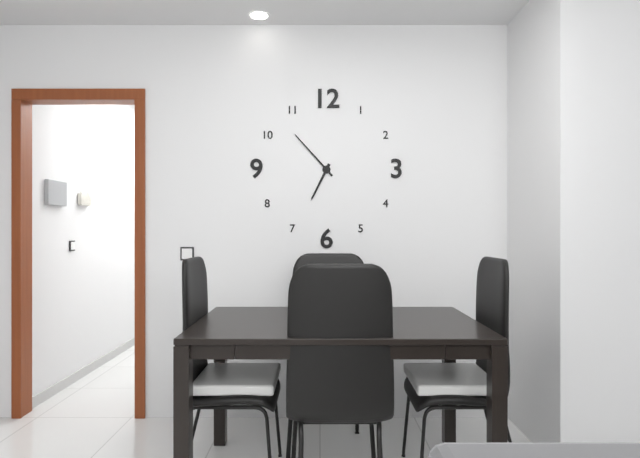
**6:53**
